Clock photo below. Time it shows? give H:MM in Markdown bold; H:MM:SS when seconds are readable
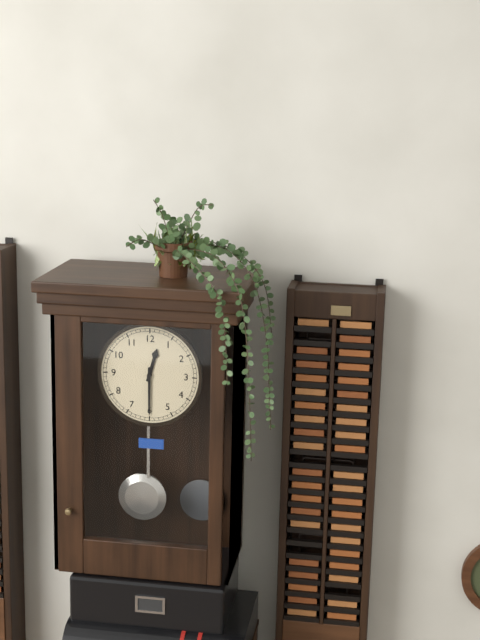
**12:30**
